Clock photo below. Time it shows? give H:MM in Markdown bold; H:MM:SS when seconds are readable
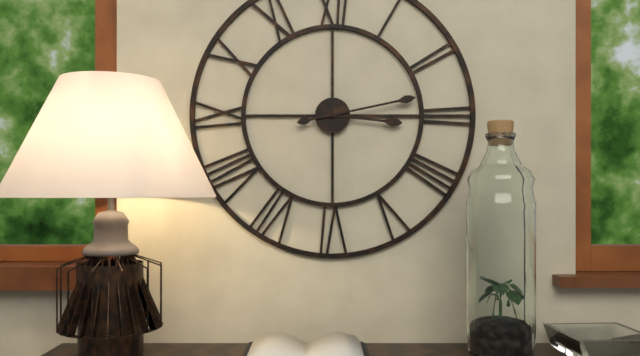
**3:13**
